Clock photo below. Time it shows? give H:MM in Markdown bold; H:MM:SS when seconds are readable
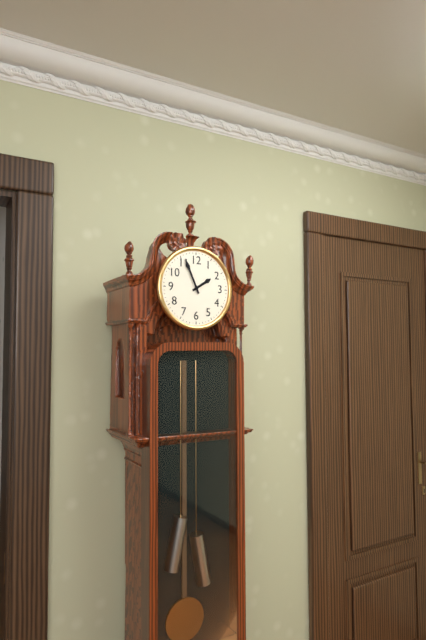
**1:56**
